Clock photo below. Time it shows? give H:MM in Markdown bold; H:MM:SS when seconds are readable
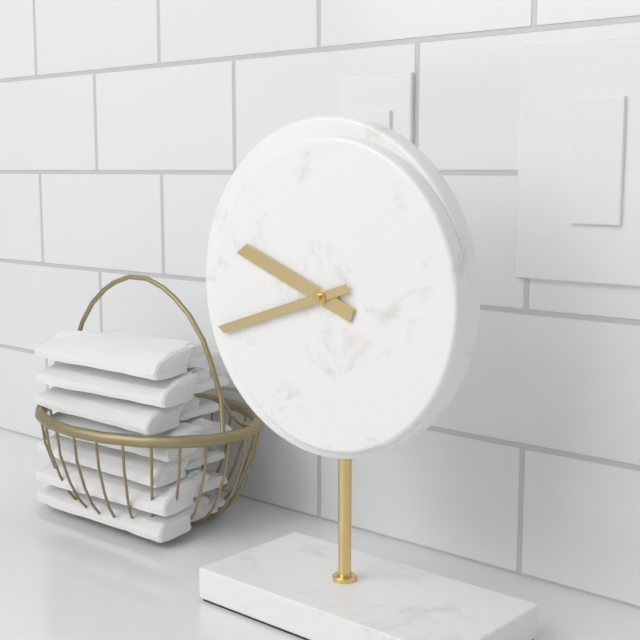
**9:42**
